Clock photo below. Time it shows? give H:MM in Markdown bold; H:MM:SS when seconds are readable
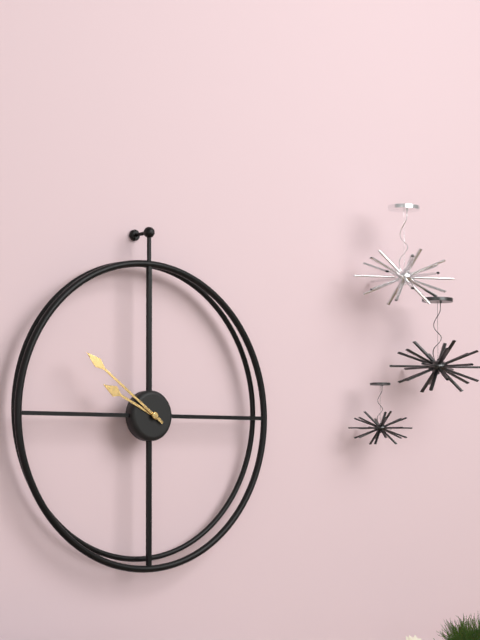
**9:51**
